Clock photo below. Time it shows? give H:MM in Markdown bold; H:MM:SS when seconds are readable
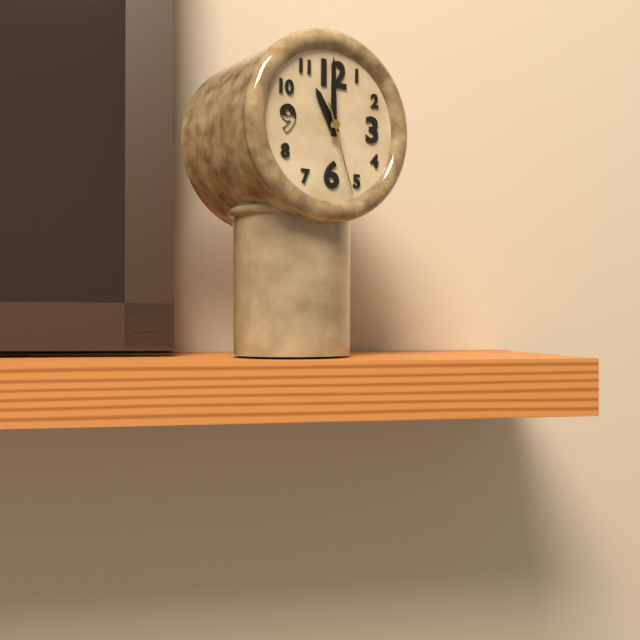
**11:00:27**
